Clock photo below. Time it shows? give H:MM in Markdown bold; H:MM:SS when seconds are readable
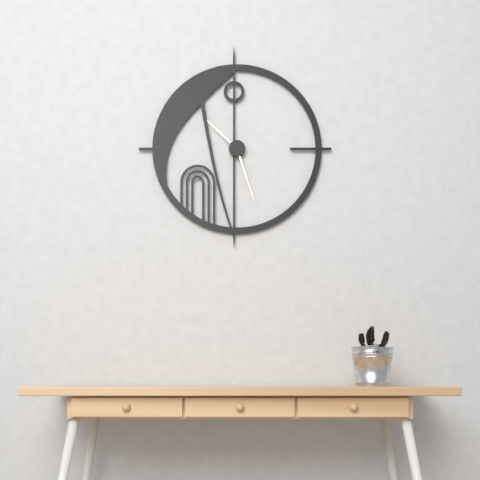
**10:27**
